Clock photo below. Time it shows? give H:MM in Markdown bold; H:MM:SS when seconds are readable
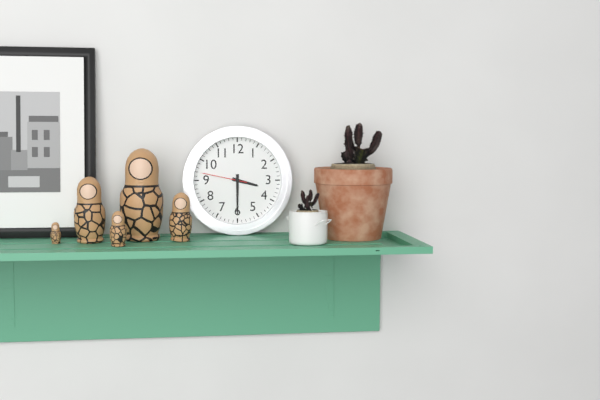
**3:30**
